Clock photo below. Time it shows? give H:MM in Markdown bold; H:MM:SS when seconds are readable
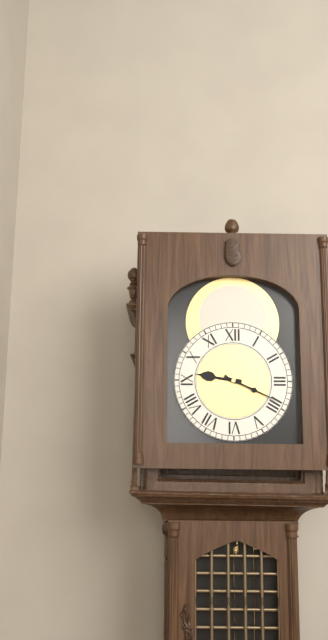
**9:19**
